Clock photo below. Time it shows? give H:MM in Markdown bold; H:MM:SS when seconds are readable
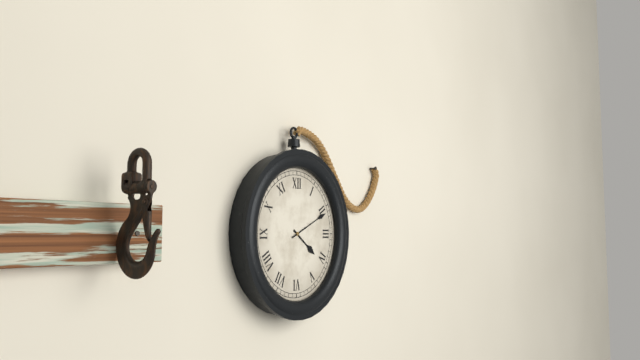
**4:11**
